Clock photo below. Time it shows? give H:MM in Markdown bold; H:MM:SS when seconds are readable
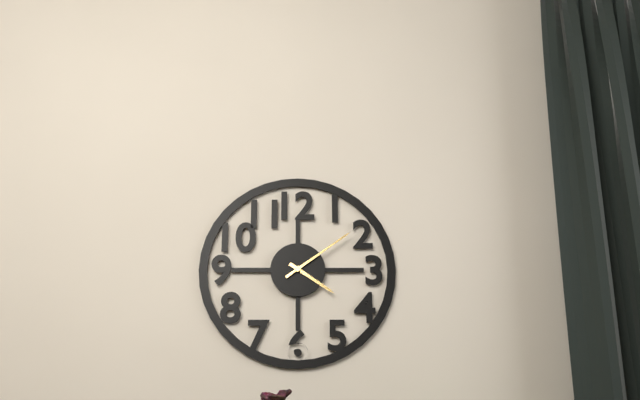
**4:09**
